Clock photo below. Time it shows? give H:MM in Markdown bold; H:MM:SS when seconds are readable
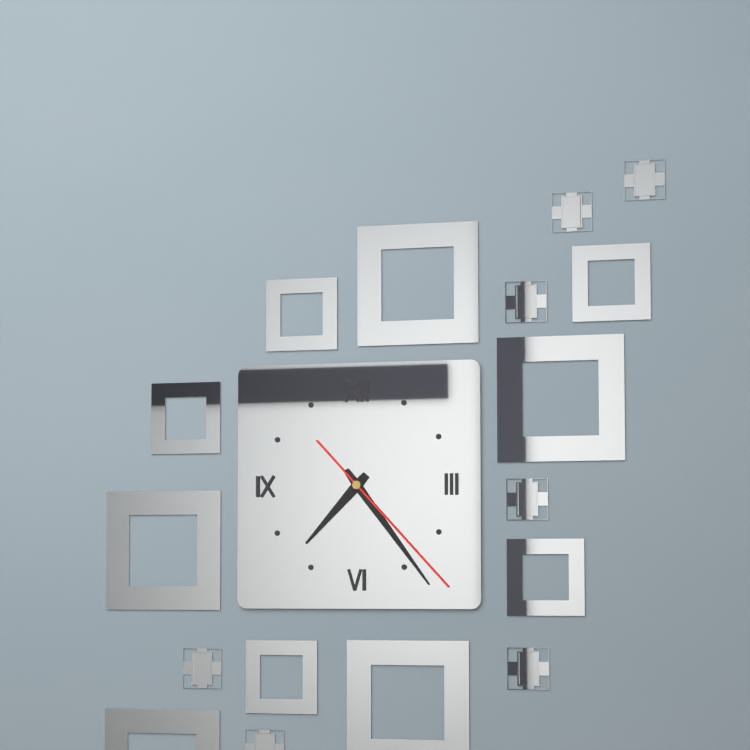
**7:24:23**
